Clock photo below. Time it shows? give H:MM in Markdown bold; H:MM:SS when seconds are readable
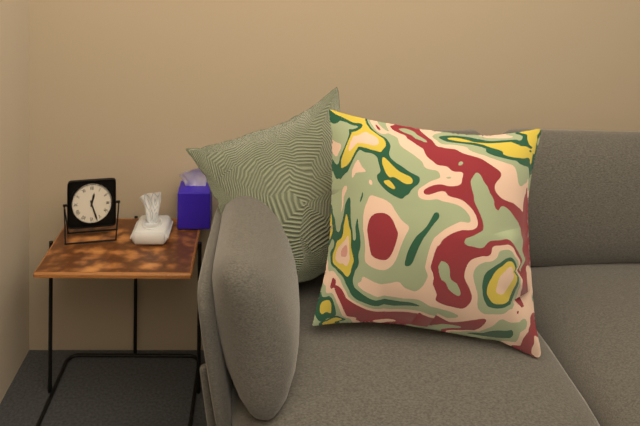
**12:27**
